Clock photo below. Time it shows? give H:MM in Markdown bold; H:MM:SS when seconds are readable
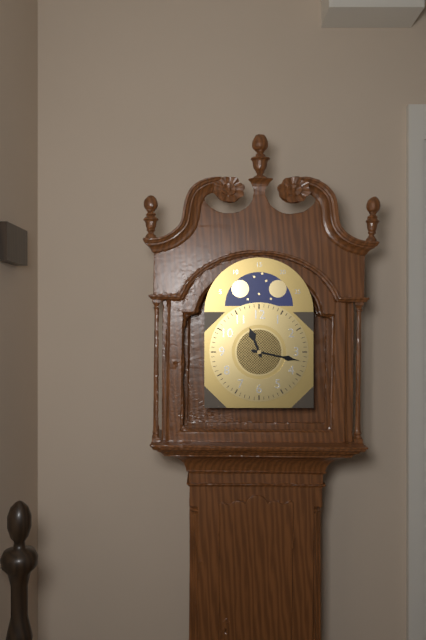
**11:17**
